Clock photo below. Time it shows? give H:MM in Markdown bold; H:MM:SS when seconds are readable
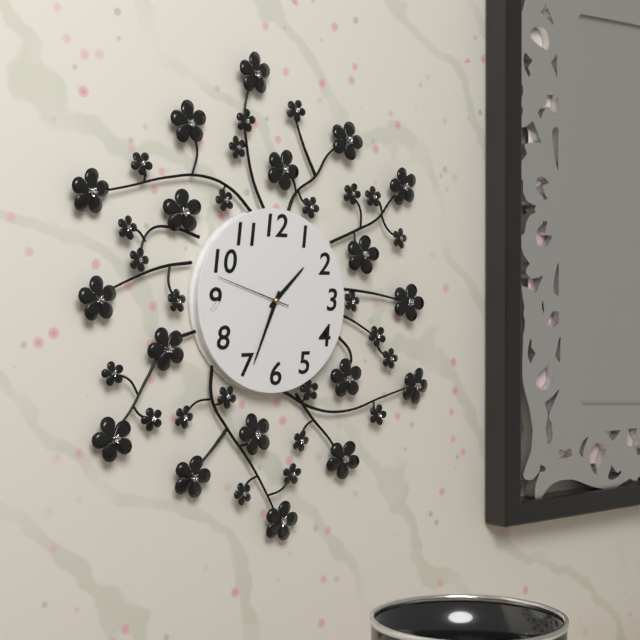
**1:34:48**
